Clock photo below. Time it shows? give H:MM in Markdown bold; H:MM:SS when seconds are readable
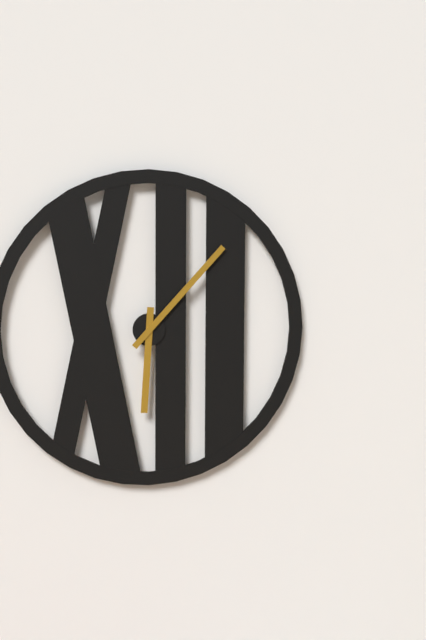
**6:07**
